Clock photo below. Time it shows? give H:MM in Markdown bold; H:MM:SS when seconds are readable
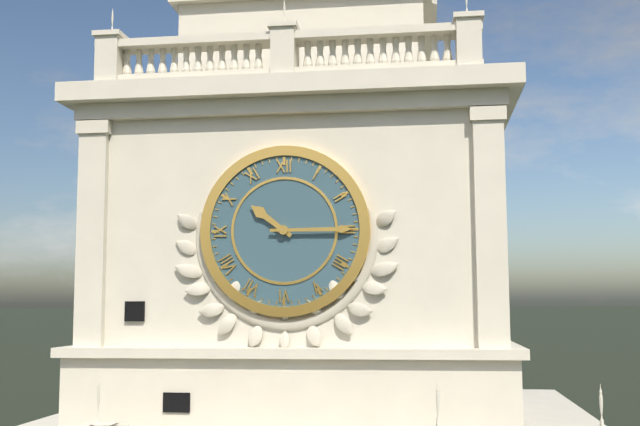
**10:15**
